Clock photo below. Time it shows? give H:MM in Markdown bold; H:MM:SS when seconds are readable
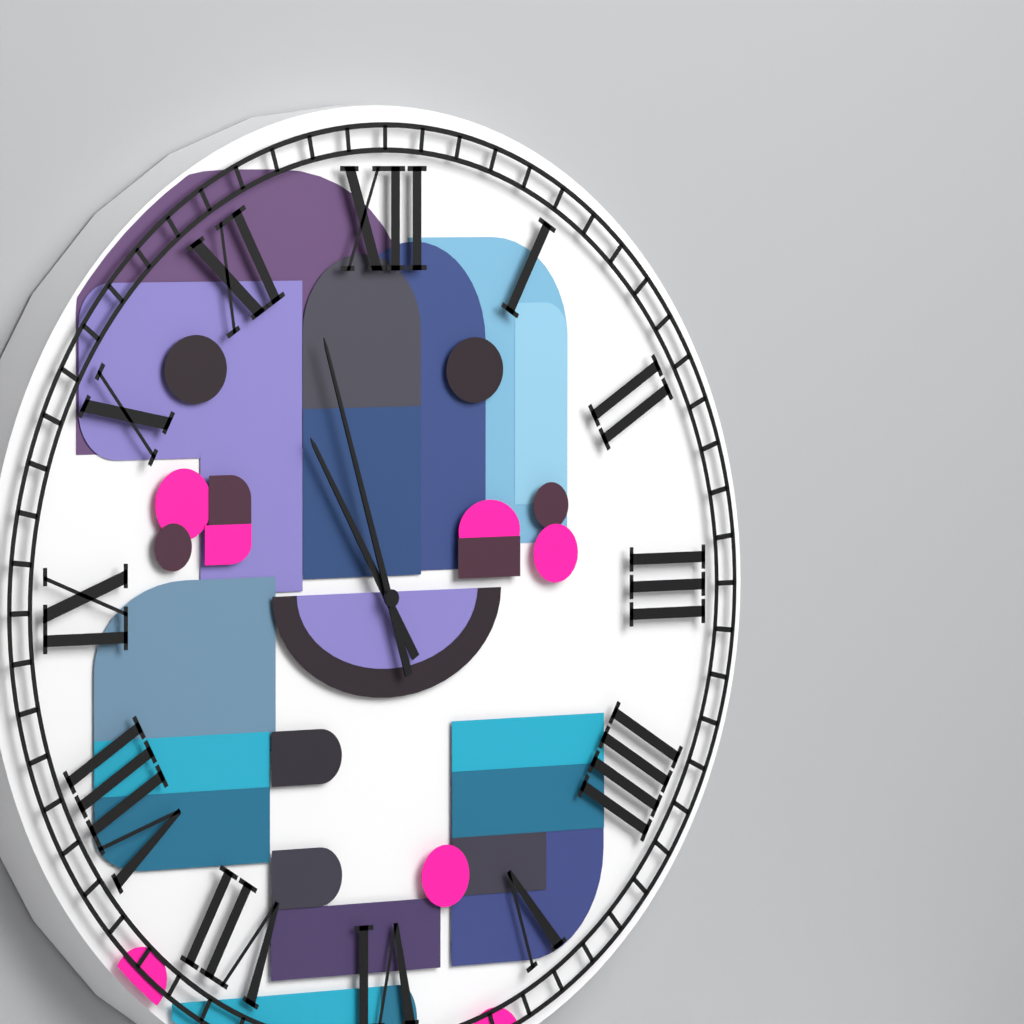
**10:57**
